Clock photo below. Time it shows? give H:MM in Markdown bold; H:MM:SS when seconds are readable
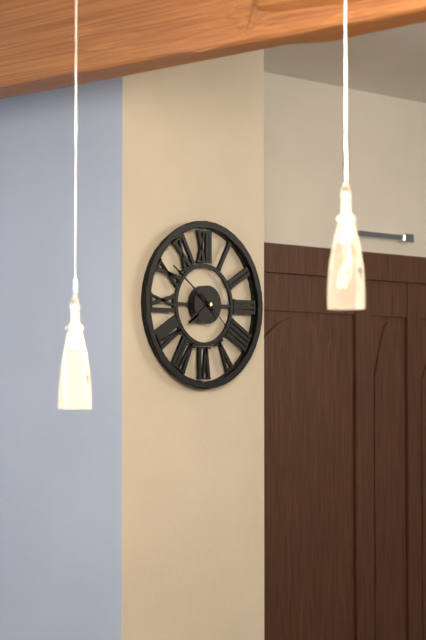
**7:51:22**
